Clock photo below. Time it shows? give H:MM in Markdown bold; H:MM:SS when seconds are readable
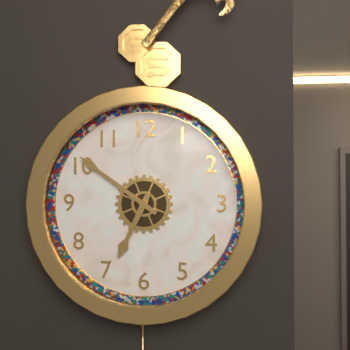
**6:51**
